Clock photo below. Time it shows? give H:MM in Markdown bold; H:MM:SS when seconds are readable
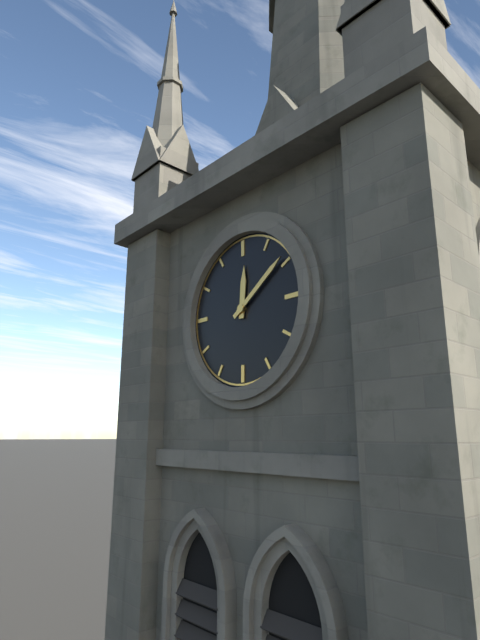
**12:09**
